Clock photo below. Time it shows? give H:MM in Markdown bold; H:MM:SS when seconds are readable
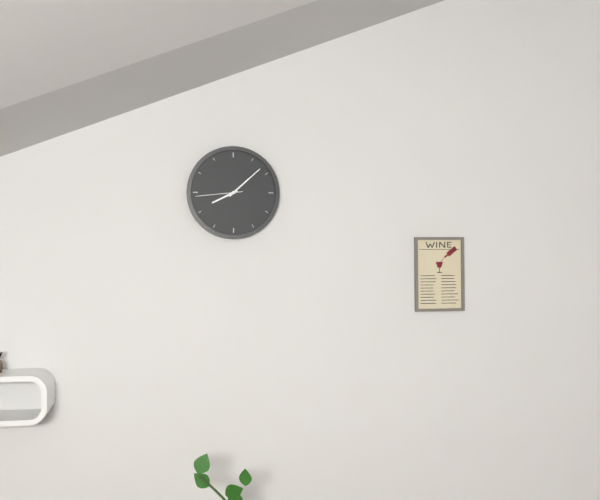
**8:08**
